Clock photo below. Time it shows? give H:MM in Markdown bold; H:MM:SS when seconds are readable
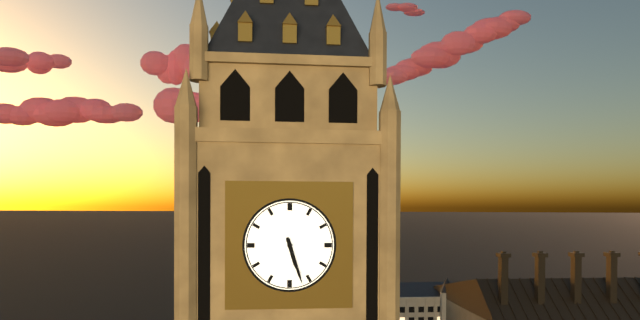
**5:27**
